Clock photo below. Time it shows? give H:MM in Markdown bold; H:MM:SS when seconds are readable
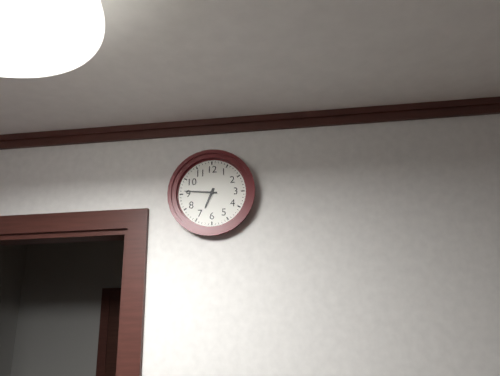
**6:46**
